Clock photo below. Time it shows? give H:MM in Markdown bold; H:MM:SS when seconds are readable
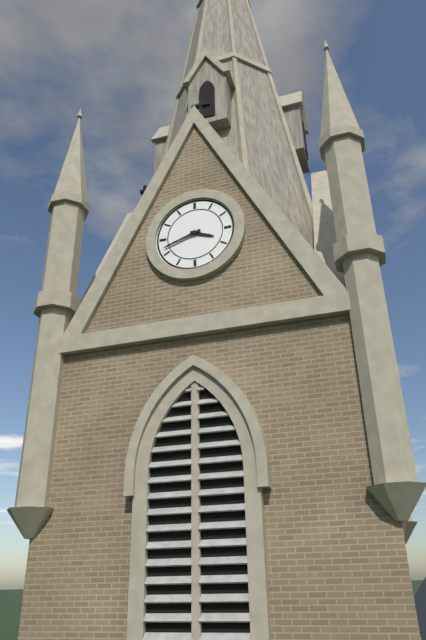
**3:42**
